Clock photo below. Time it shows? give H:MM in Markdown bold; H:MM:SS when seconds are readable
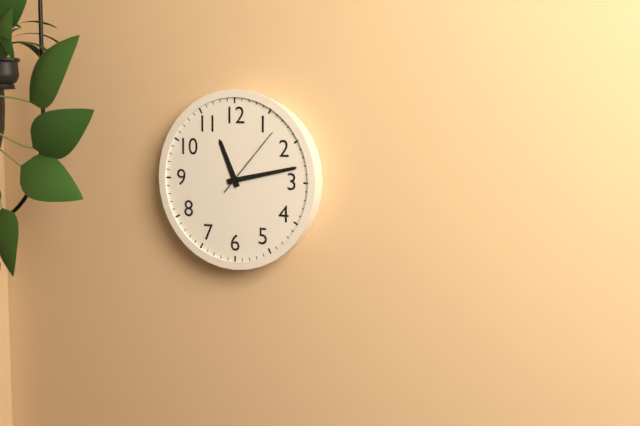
**11:13:07**
